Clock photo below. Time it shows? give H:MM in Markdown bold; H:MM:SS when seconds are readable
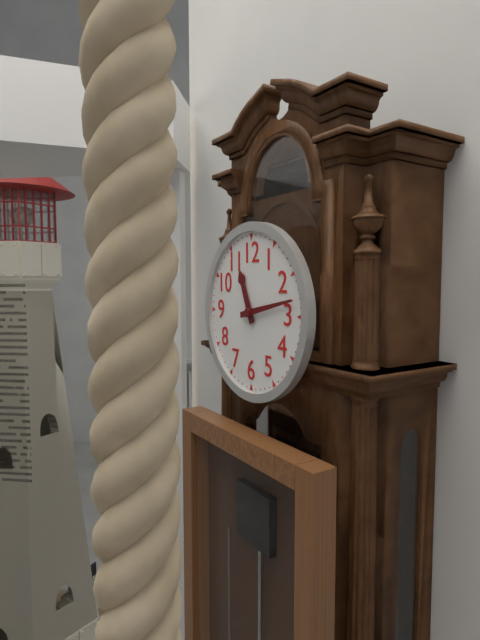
**11:13**
